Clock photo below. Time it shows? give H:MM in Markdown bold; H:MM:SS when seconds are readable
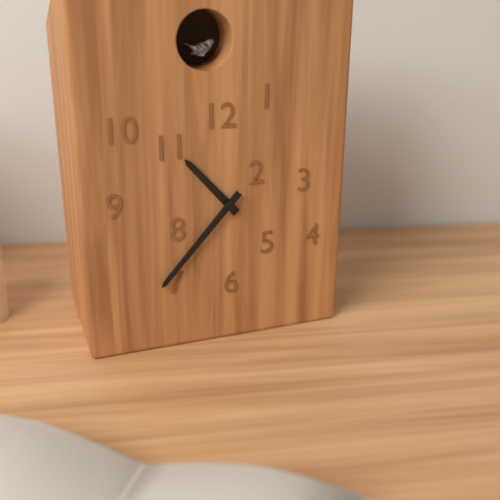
**10:37**
